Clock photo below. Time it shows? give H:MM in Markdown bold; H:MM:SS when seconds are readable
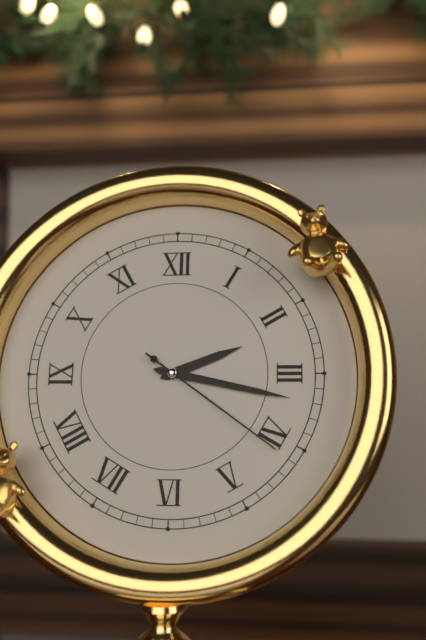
**2:17:21**
